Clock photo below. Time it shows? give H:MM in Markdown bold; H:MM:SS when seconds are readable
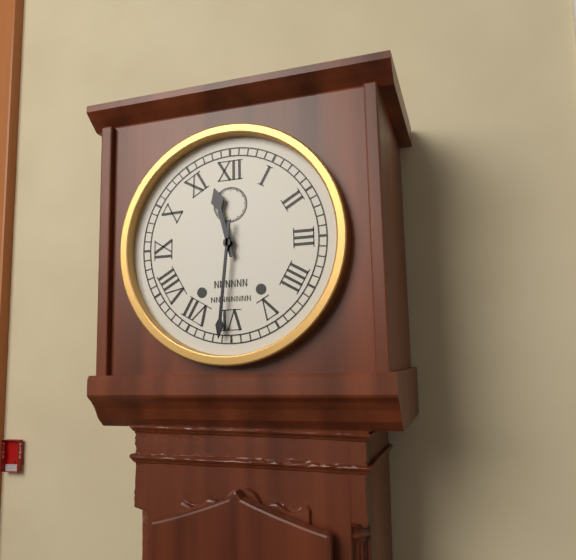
**11:31**
